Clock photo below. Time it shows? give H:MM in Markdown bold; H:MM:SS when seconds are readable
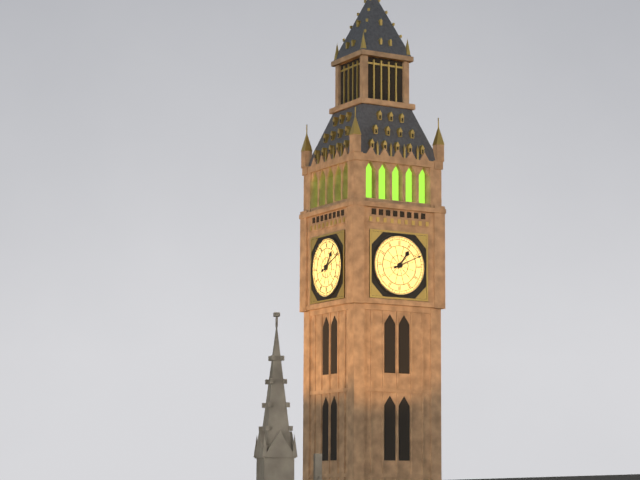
**1:11**
